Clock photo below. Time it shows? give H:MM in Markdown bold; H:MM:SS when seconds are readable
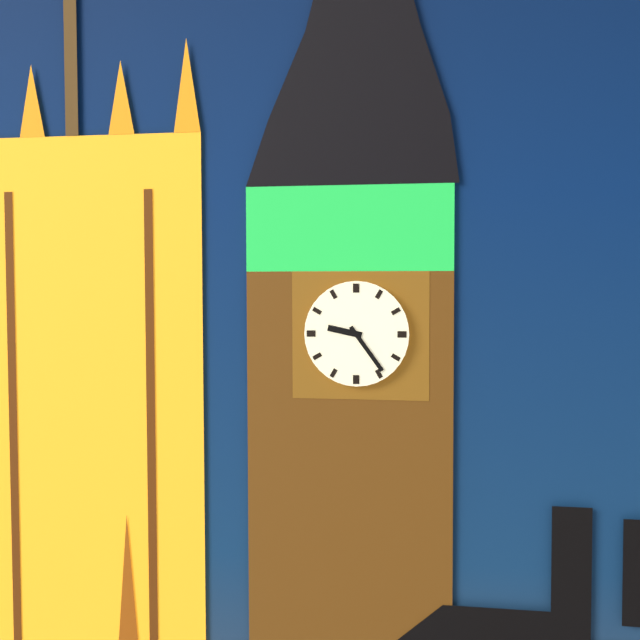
**9:24**
